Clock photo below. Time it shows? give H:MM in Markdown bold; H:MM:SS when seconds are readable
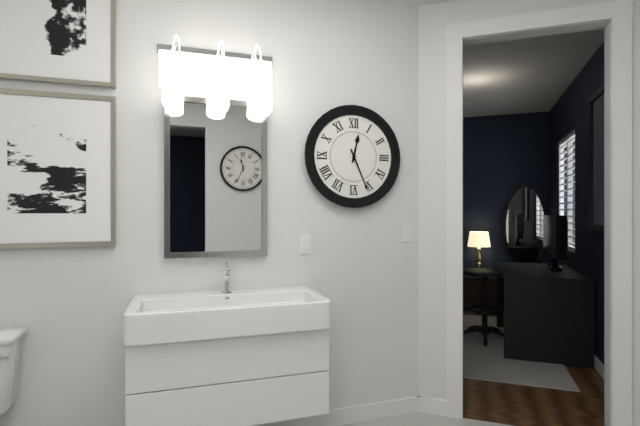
**12:26**
